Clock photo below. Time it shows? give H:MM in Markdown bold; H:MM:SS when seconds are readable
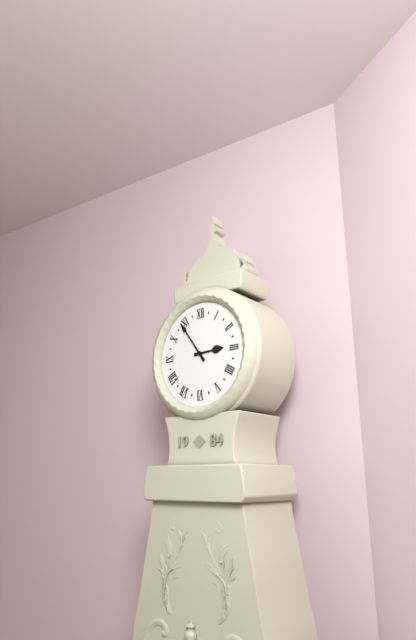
**2:54**
